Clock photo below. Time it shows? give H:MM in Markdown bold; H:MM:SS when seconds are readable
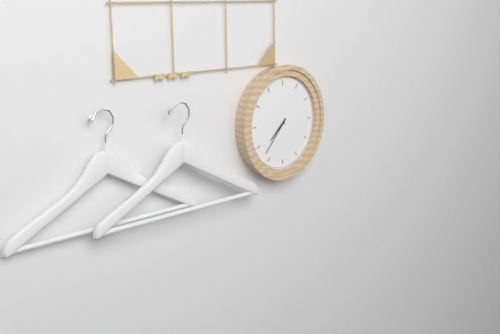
**7:37**
